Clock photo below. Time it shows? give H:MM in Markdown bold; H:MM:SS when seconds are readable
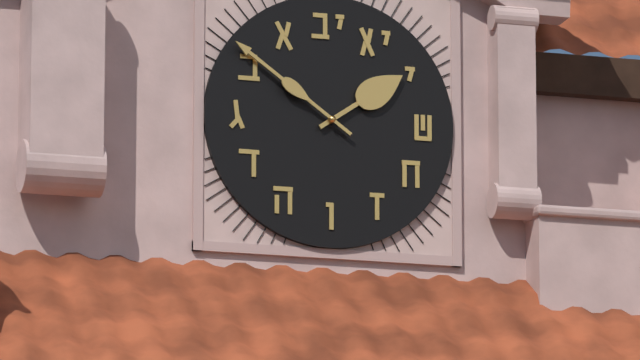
**1:51**
